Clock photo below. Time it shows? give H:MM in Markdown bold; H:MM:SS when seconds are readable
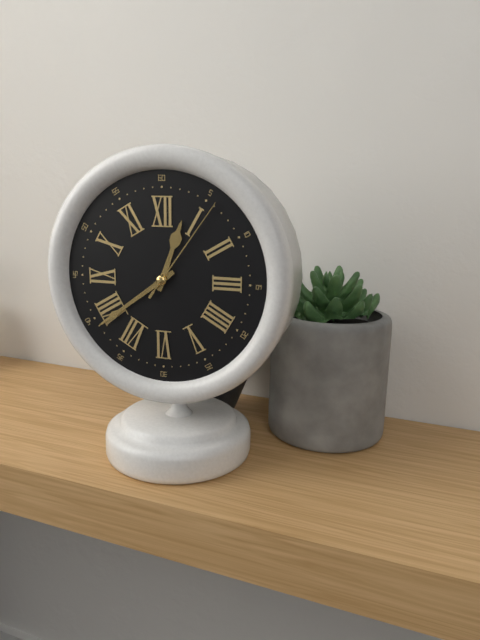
**12:39:06**
